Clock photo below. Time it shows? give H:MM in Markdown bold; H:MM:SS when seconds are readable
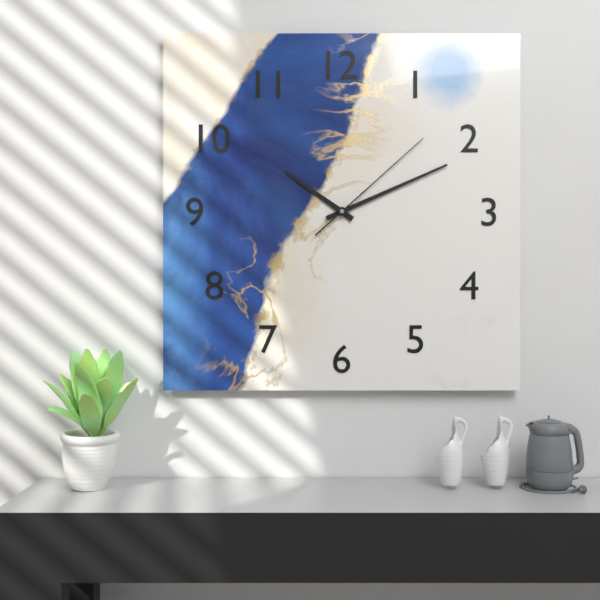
**10:11:08**
